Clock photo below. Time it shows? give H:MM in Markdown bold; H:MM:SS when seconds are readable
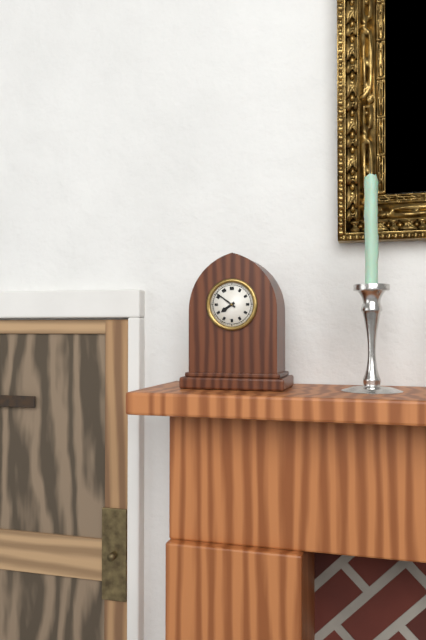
**7:51**
